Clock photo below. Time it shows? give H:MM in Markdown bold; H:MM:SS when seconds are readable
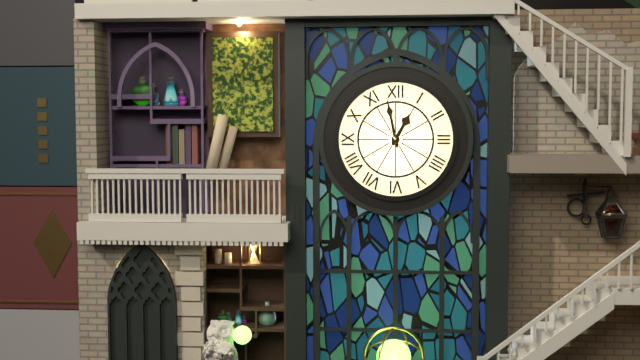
**12:58**
